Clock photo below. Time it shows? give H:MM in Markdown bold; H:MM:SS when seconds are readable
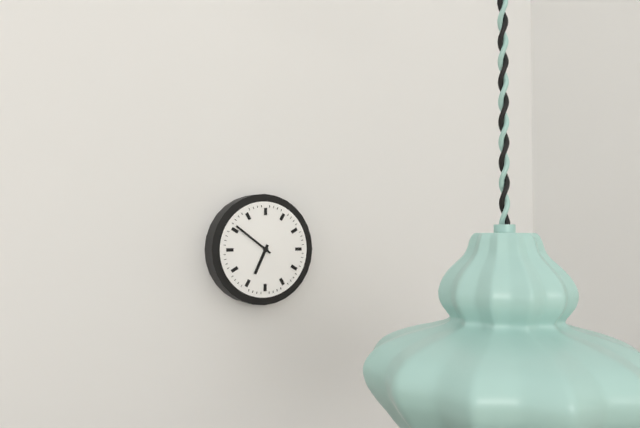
**6:51**
